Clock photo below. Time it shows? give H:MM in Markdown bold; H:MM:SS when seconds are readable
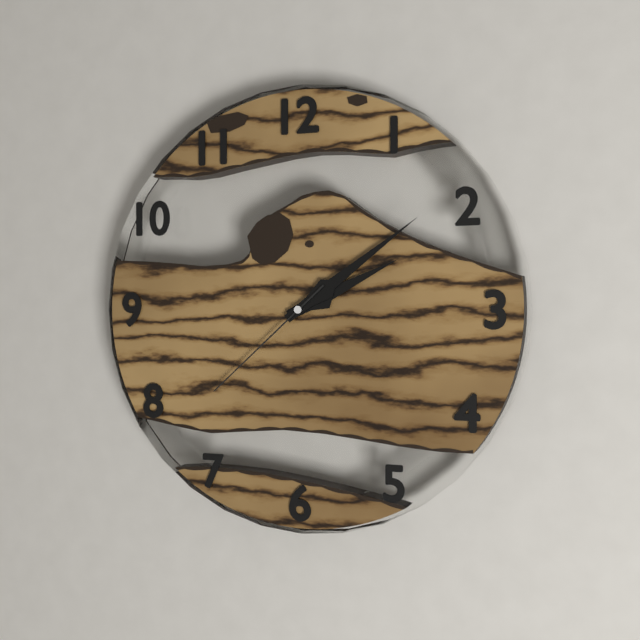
**2:09:38**
